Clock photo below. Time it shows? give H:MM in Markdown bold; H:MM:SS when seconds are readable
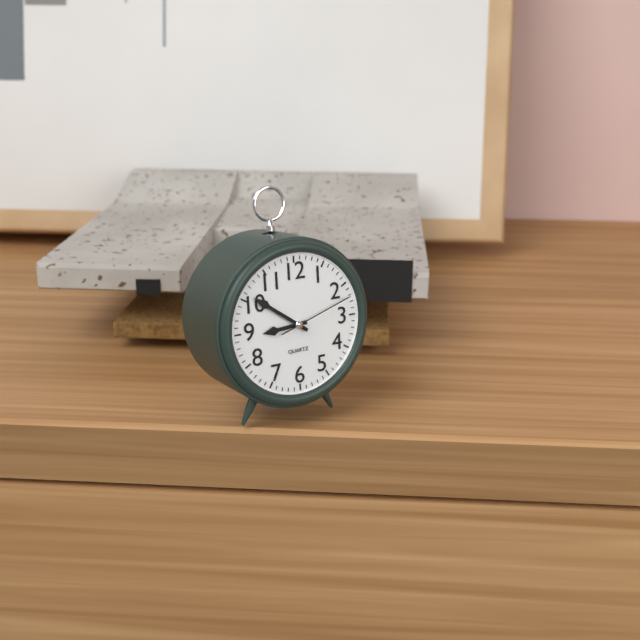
**8:51:12**
